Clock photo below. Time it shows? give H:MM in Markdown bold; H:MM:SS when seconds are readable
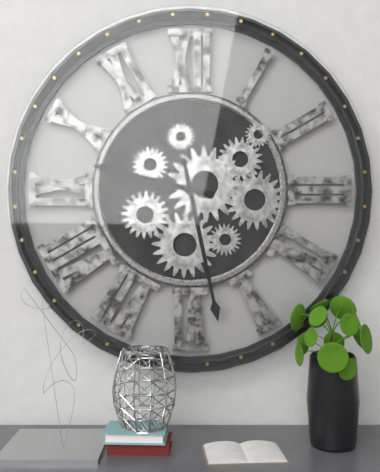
**9:28**
